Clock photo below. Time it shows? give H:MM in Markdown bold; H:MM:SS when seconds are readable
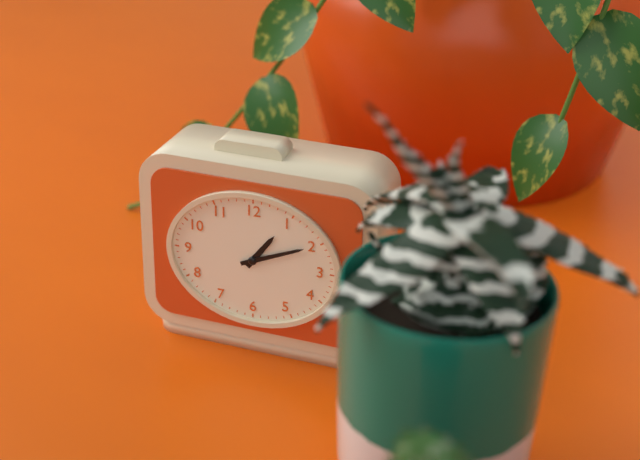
**1:11**
